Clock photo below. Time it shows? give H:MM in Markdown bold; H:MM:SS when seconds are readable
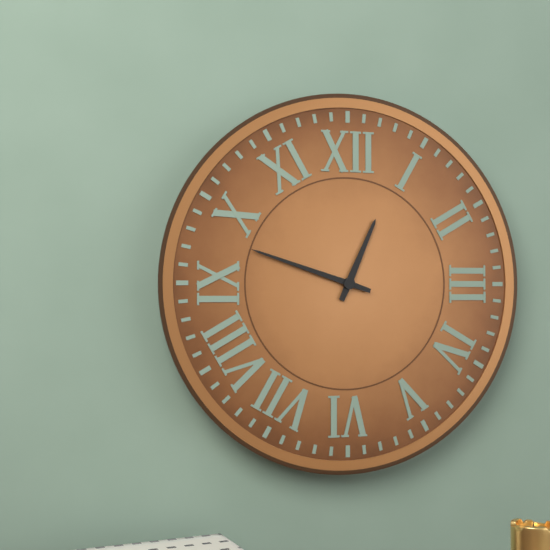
**12:48**
